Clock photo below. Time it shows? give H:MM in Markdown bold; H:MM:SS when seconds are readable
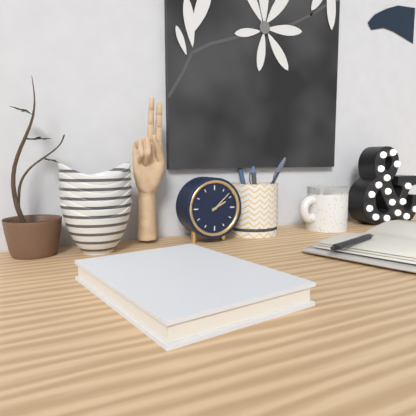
**2:08**
